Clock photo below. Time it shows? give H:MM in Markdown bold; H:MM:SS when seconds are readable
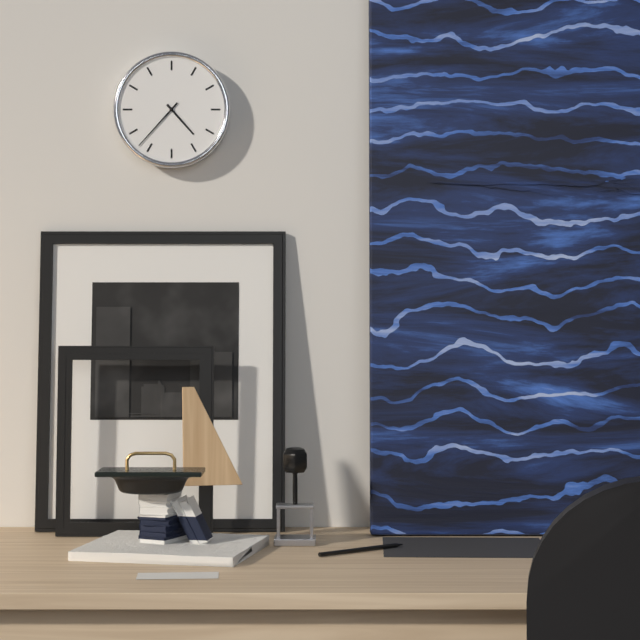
**4:37**
